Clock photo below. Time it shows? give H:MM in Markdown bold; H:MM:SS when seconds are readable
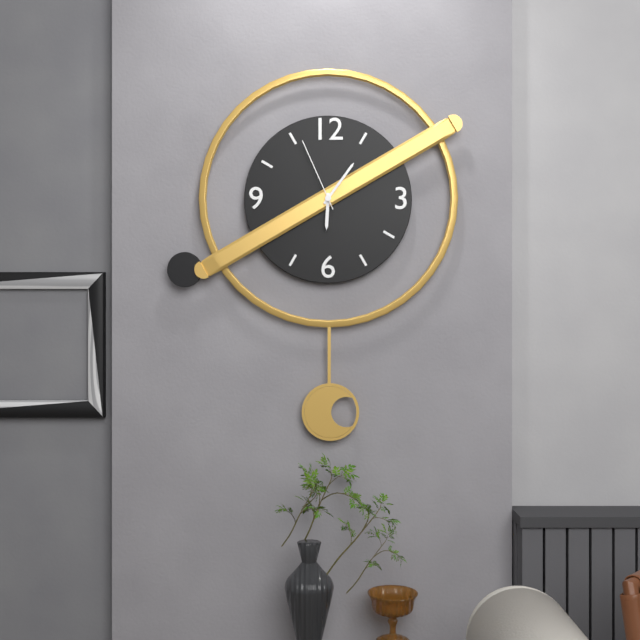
**6:06:56**
